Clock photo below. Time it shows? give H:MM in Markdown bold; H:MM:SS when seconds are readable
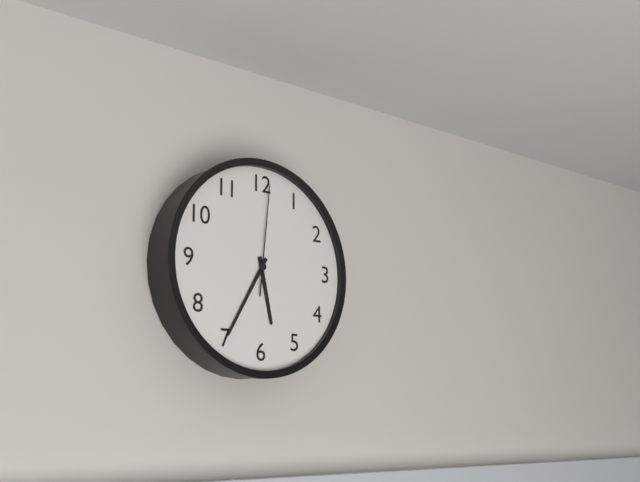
**5:35:01**
